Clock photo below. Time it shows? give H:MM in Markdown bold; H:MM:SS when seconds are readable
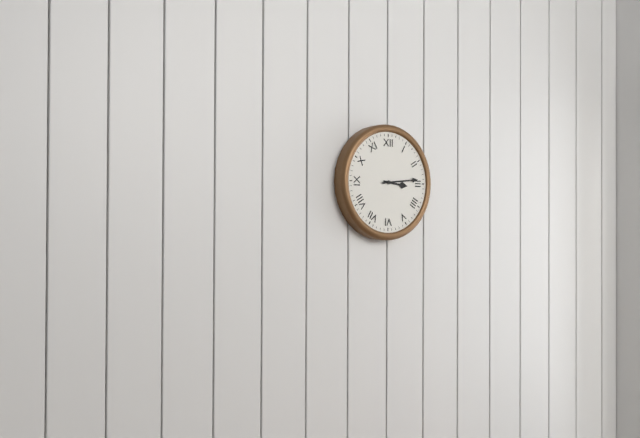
**3:14**
